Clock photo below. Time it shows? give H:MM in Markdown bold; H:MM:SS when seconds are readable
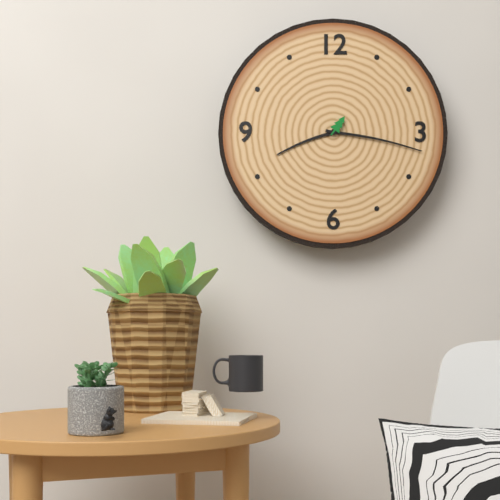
**8:17**
